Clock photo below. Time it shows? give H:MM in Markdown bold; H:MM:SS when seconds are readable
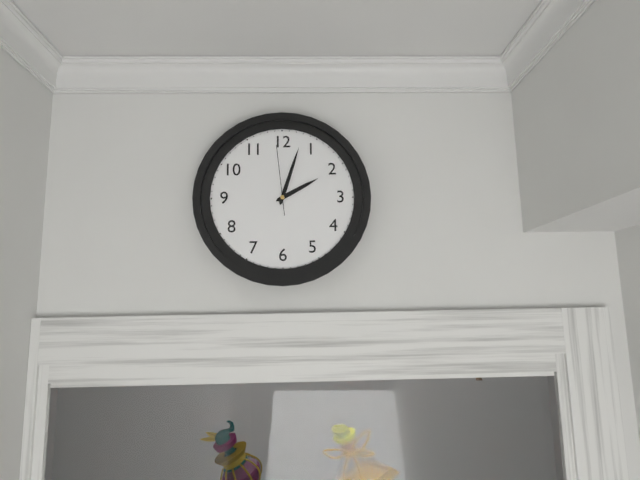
**2:03:59**
